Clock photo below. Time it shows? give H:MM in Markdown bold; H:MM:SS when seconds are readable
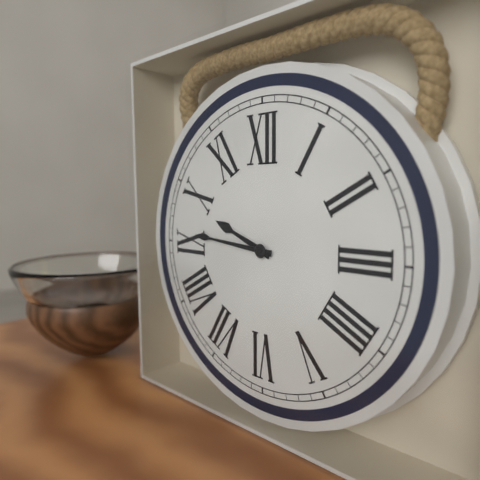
**9:46**
